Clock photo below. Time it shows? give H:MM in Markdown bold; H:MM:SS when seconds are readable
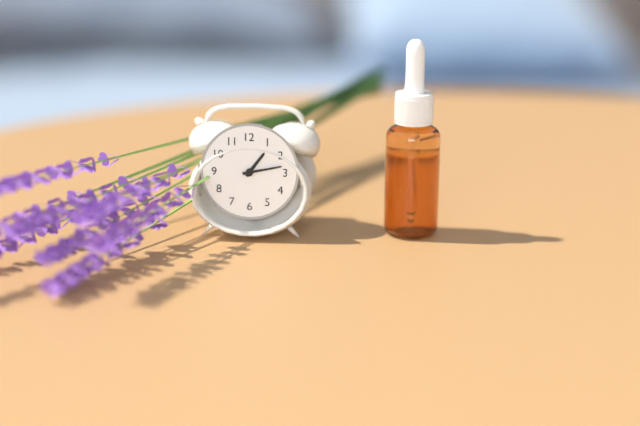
**1:13**
